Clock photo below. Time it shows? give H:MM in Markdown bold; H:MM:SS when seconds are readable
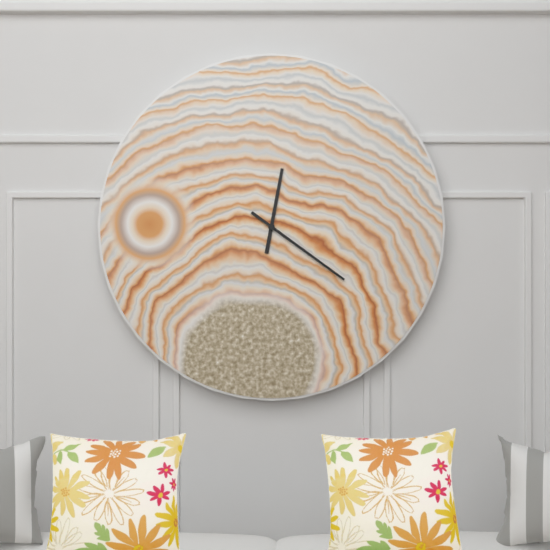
**12:21**
